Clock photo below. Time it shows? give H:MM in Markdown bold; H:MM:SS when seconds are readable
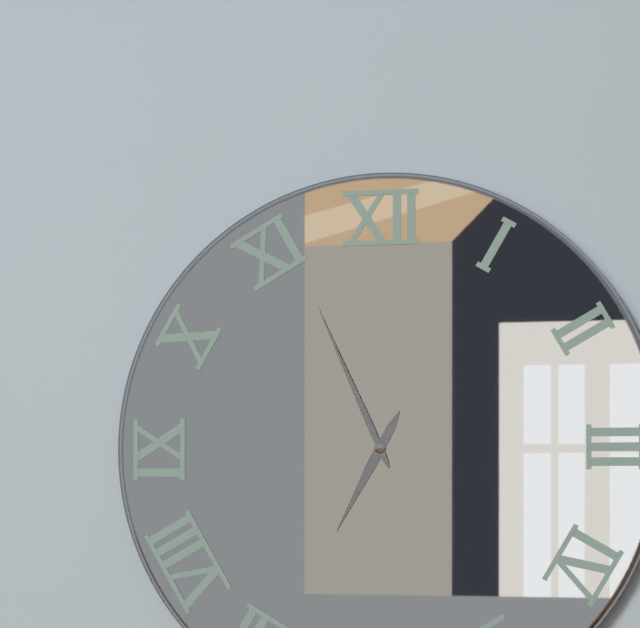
**6:56**
